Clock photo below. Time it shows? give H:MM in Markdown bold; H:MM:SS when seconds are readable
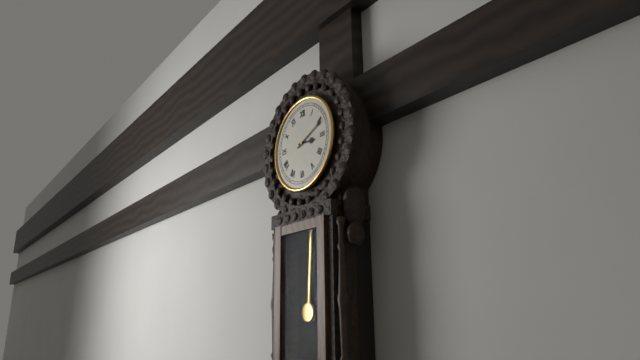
**3:11**
